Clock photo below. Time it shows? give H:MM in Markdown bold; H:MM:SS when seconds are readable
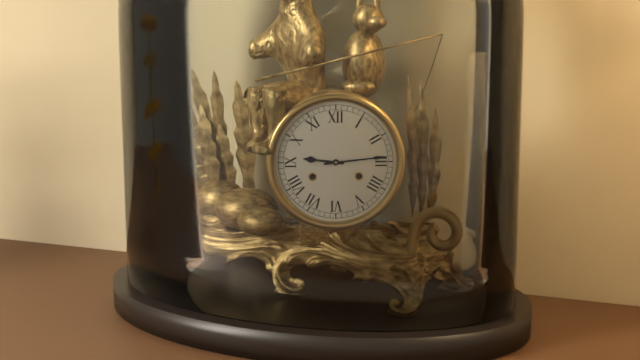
**9:14**
